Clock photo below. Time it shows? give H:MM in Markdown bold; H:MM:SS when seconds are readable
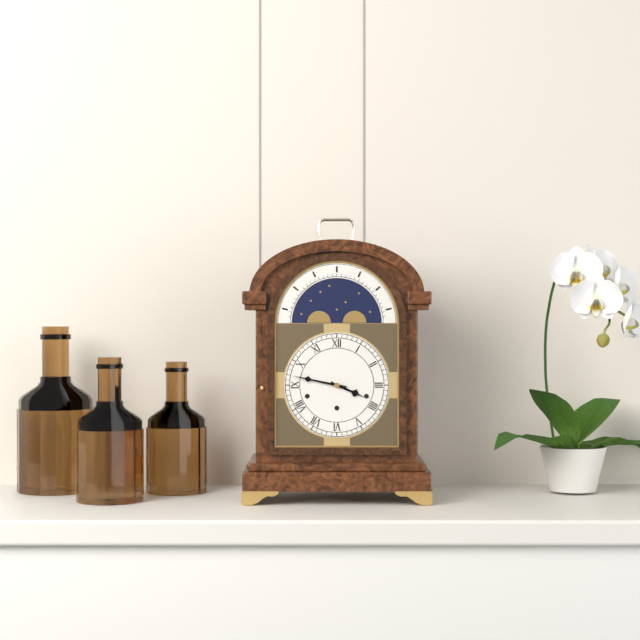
**3:47**
